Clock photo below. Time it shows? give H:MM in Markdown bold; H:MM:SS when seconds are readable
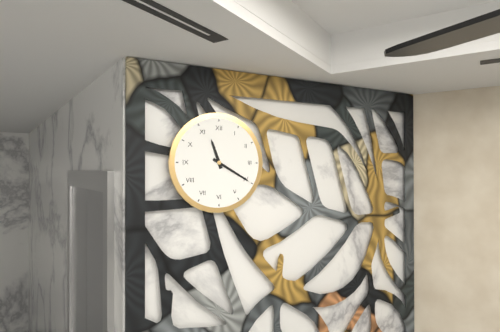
**11:20**
